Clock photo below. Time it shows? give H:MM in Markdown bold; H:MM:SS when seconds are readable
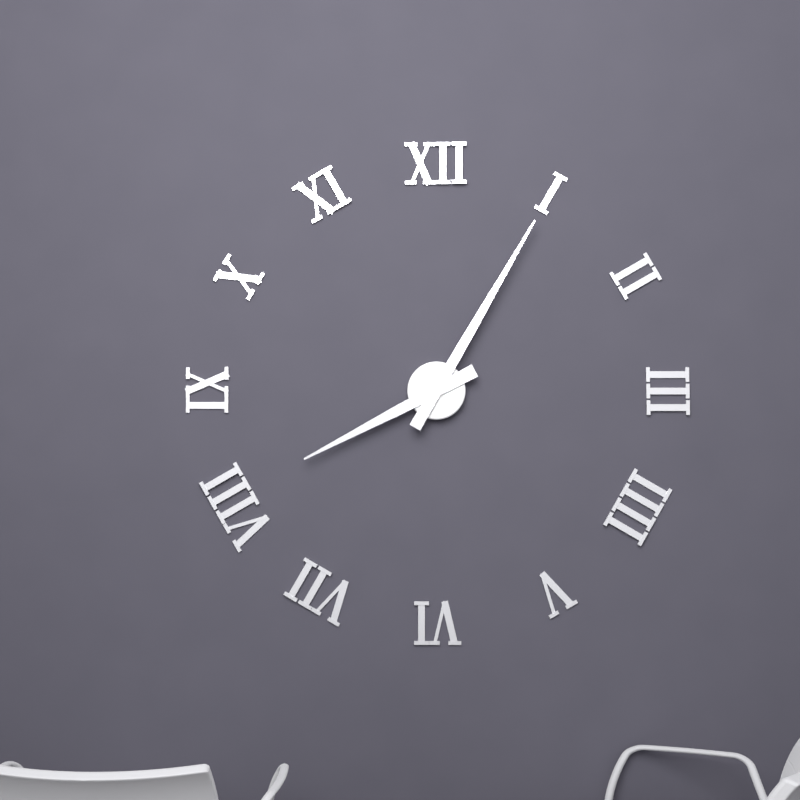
**8:05**
